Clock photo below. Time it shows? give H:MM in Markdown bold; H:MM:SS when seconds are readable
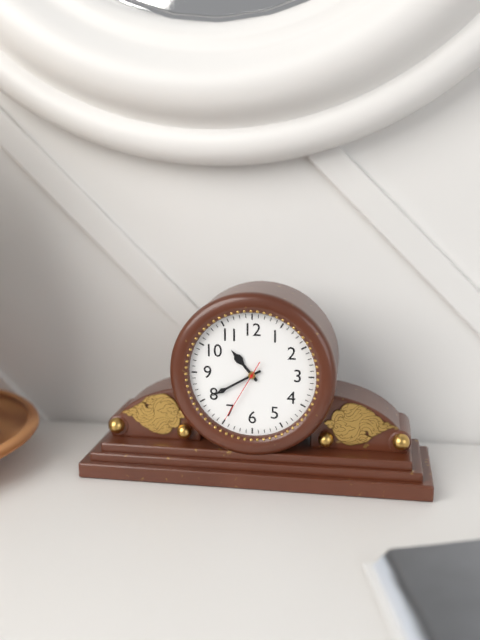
**10:40:35**
